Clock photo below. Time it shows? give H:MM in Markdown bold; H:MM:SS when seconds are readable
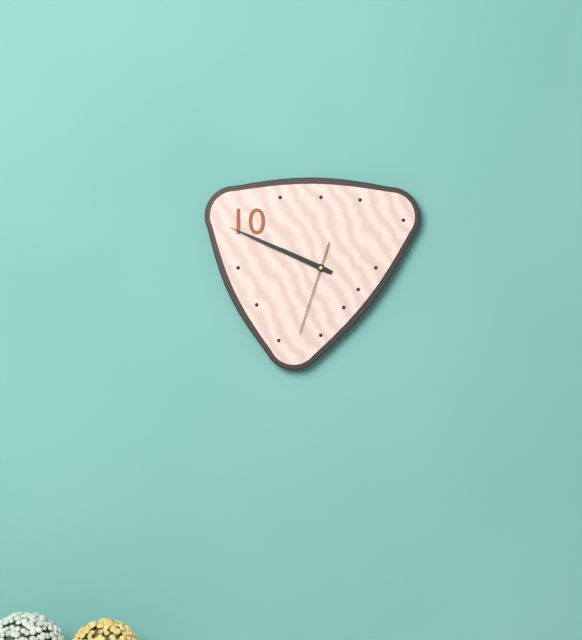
**9:49:33**
